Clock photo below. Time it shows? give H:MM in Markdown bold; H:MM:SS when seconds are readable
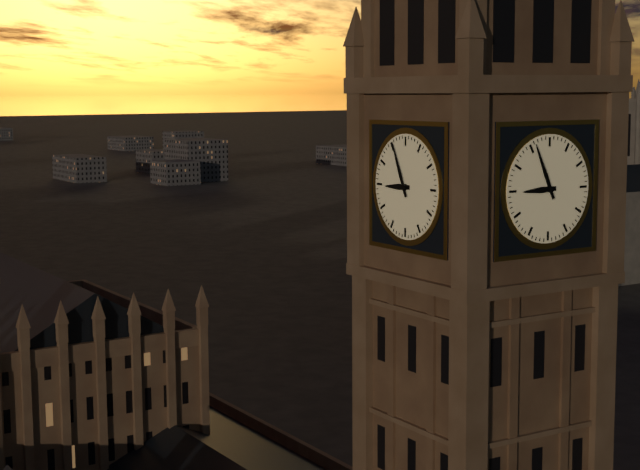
**8:56**
